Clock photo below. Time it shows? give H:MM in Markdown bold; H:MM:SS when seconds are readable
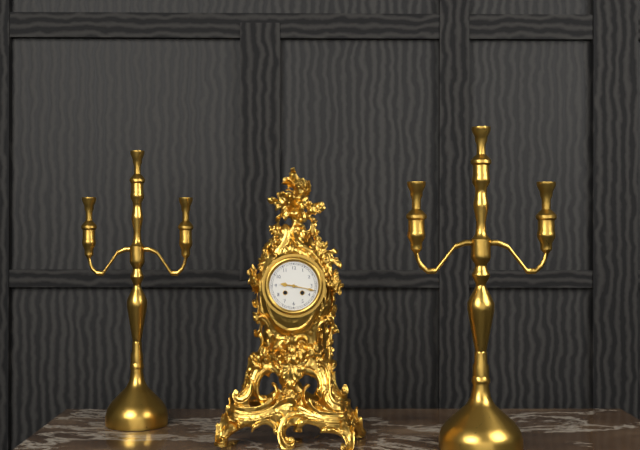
**9:17**
